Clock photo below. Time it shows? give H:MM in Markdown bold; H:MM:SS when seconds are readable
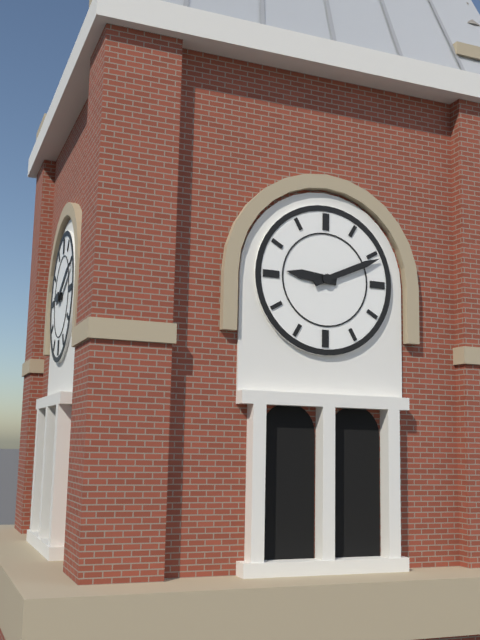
**9:11**
